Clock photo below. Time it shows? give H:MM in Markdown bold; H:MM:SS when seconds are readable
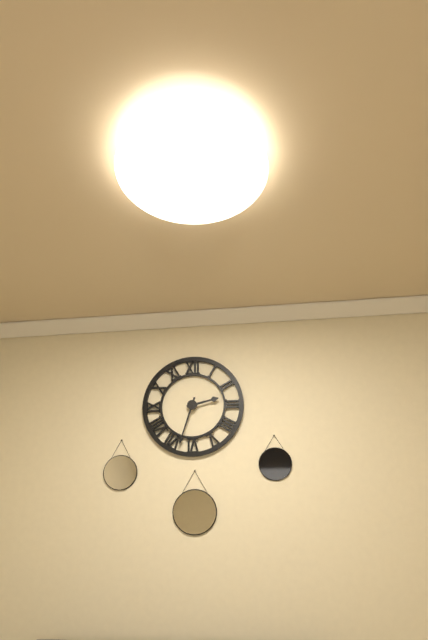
**2:33**
